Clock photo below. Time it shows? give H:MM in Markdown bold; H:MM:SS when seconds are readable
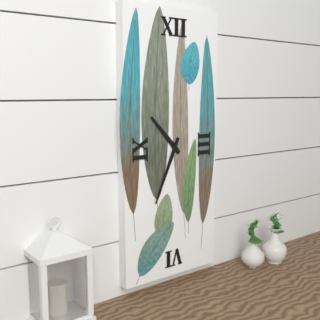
**10:34**
